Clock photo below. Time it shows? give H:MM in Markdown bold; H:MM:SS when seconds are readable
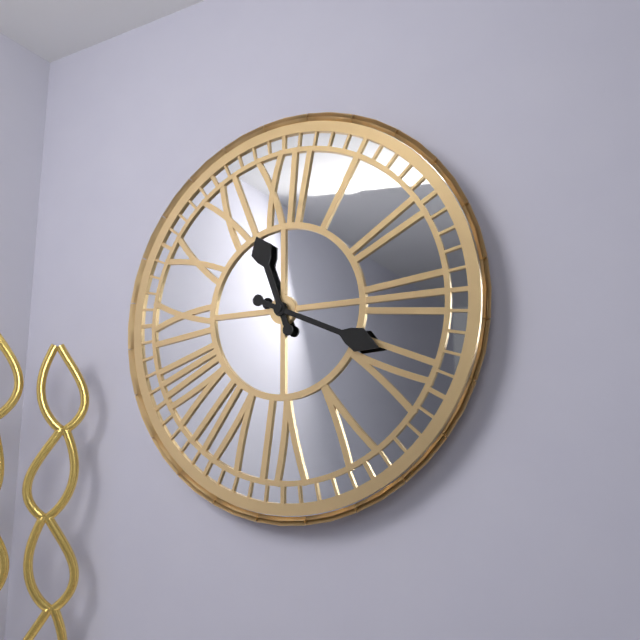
**11:19**
